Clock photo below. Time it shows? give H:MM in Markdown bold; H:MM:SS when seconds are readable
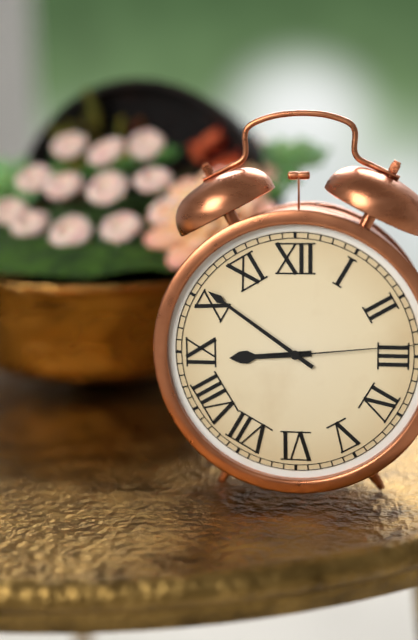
**8:51:14**
